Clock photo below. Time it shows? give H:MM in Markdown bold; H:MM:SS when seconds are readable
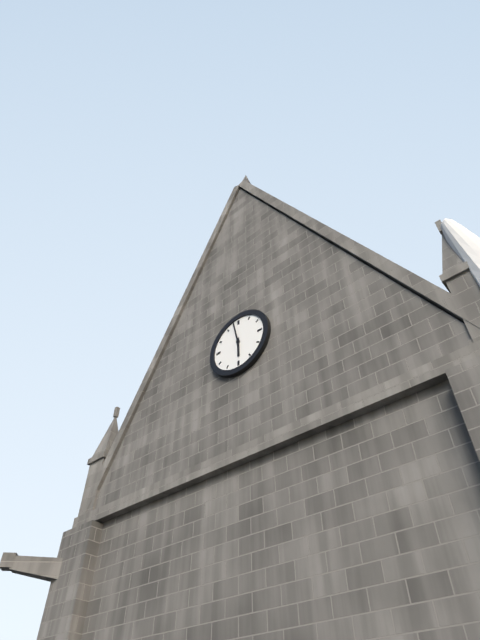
**5:58**
